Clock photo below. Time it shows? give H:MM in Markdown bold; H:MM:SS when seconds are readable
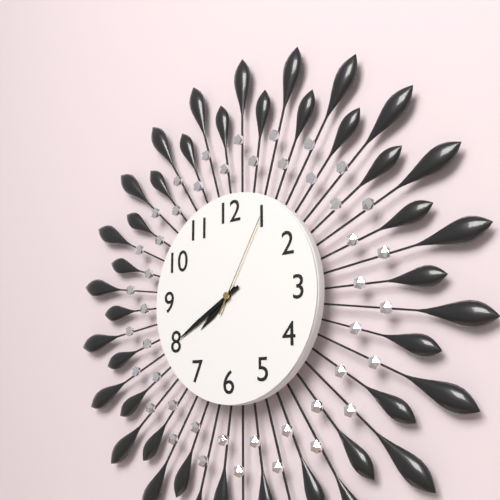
**7:40:05**
